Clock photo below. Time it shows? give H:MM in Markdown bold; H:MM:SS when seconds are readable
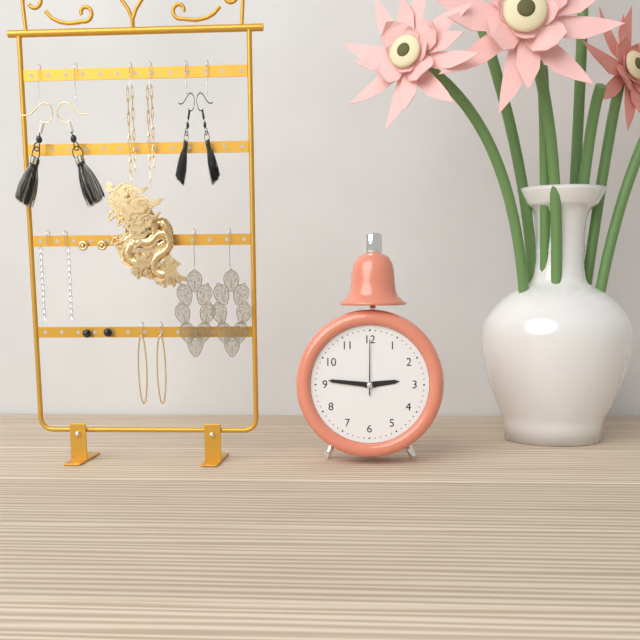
**2:46:00**
